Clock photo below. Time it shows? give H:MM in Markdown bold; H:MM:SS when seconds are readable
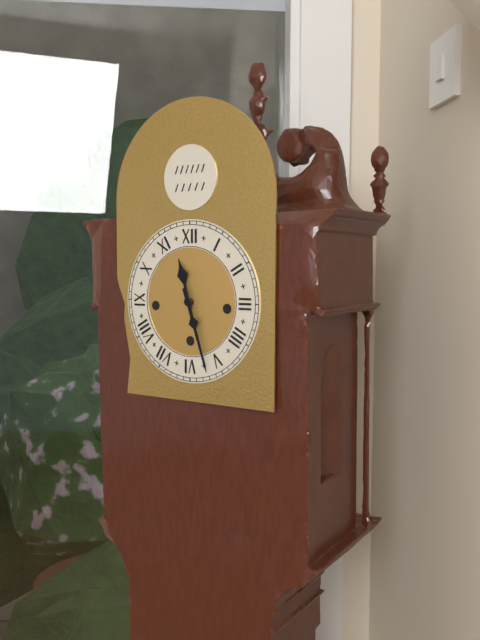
**11:27**
